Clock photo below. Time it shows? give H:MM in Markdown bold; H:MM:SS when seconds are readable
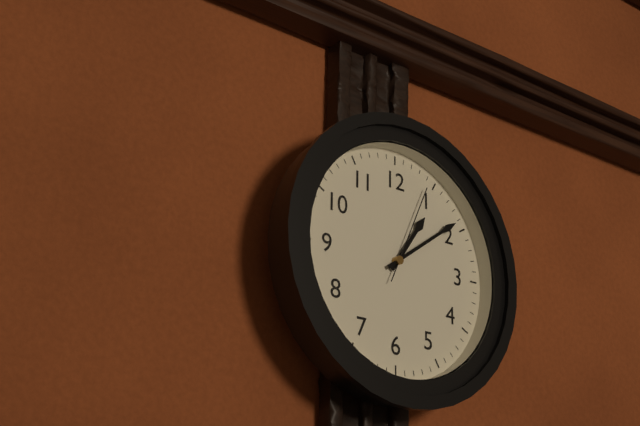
**1:09:04**
